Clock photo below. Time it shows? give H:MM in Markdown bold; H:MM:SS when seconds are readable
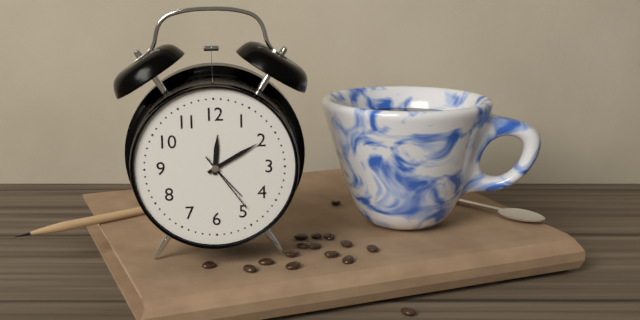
**12:10:24**
